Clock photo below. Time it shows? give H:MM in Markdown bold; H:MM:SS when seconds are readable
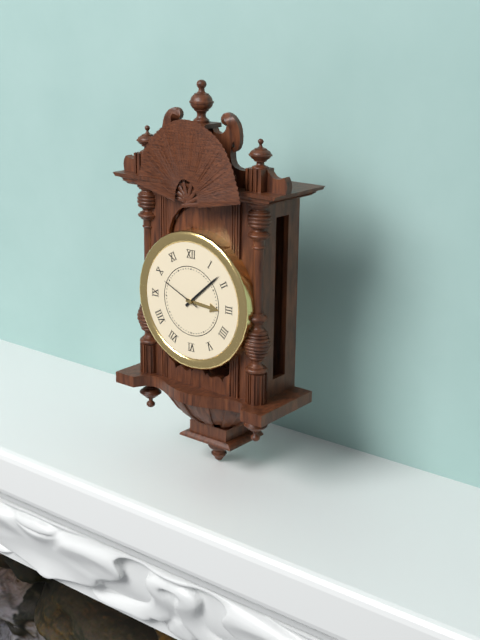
**3:08**
